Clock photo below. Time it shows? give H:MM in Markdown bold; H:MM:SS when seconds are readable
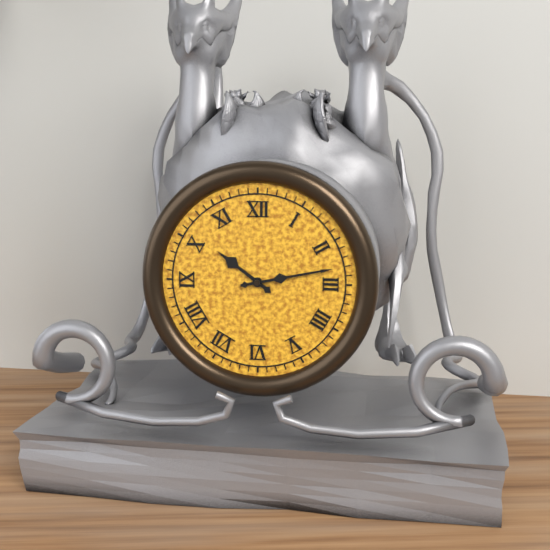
**10:13**
